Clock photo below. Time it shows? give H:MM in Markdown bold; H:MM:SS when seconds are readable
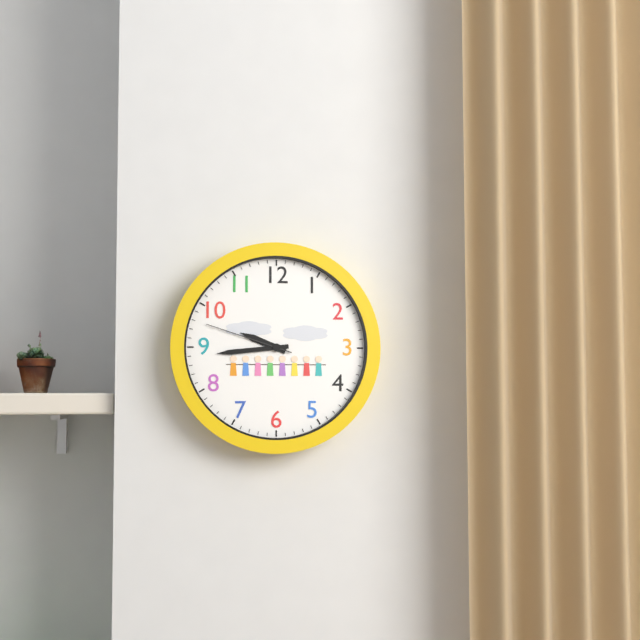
**9:44:48**
